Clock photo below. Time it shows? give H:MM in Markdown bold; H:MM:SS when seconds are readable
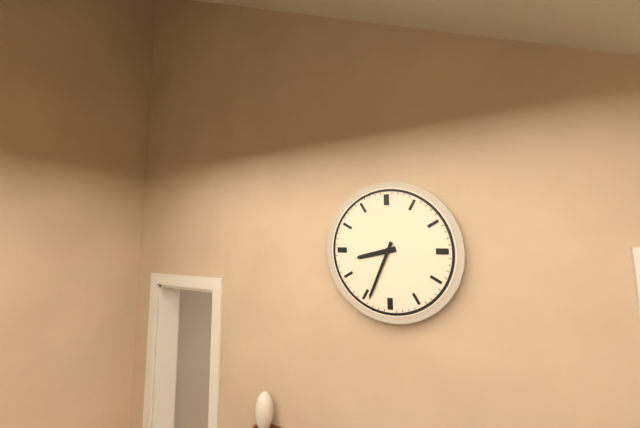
**8:34**
